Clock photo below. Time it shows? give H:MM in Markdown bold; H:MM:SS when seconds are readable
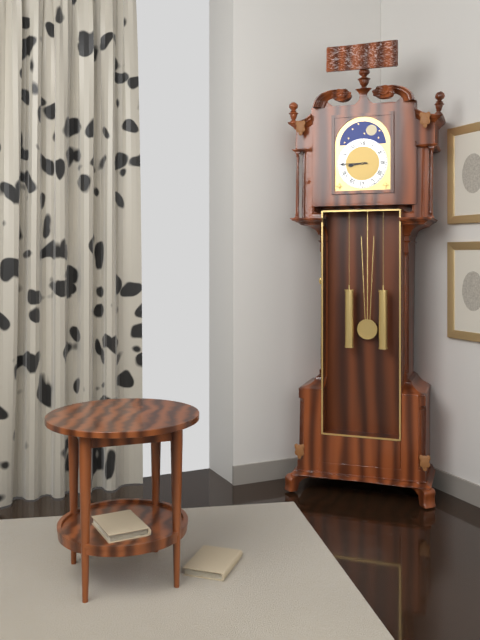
**8:45**
